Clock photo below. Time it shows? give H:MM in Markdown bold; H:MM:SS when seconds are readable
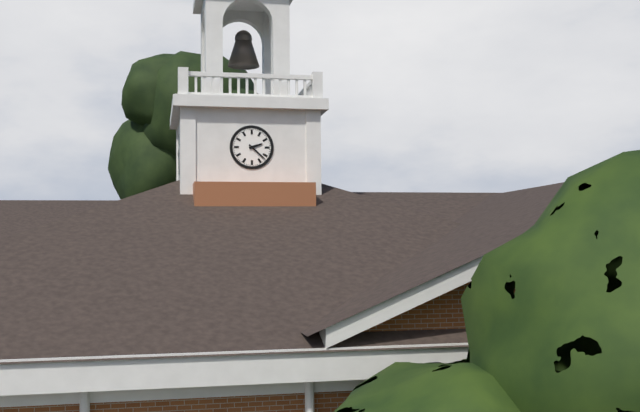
**2:22**
